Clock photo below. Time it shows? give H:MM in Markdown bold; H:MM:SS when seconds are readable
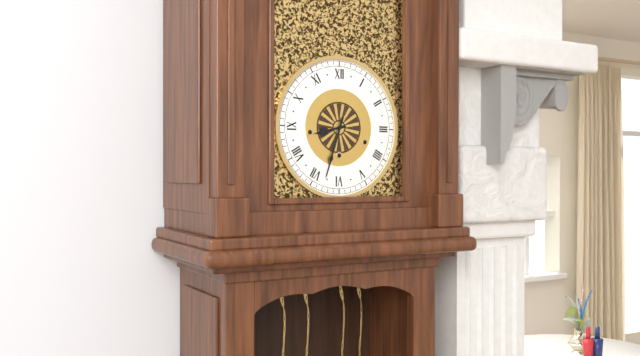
**8:33**
